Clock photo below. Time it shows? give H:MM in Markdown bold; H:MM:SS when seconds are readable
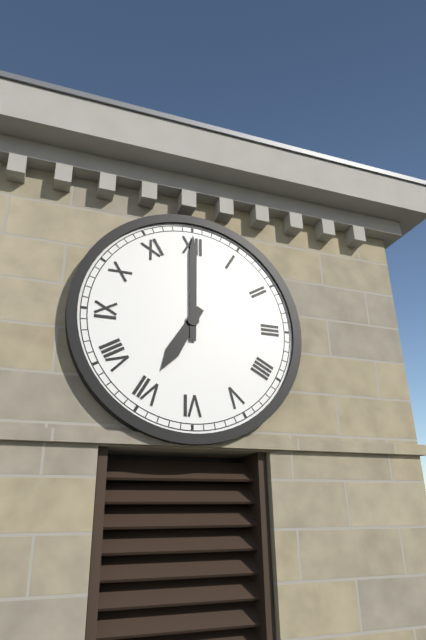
**7:00**
